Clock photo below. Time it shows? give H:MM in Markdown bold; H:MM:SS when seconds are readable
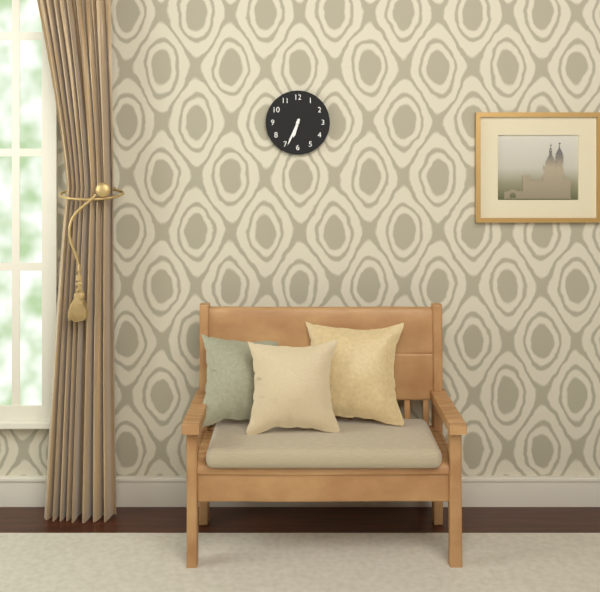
**6:34**
